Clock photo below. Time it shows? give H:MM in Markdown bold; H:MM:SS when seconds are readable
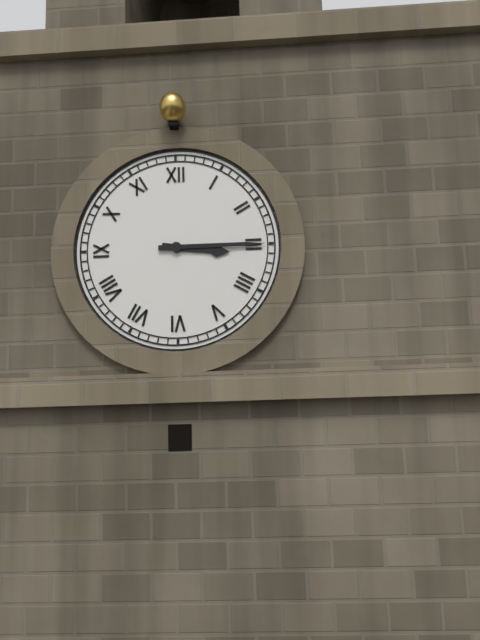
**3:15**
